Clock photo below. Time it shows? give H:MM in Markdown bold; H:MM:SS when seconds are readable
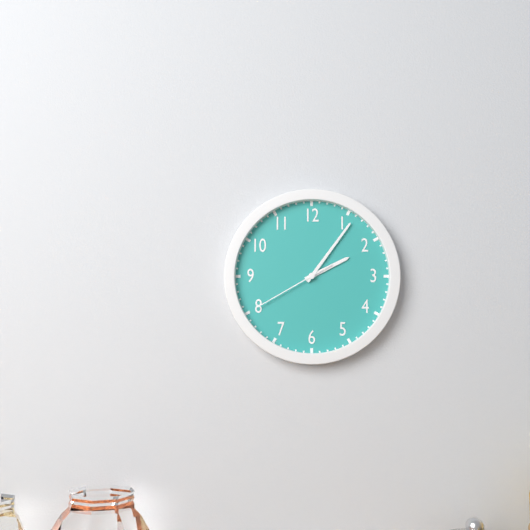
**2:06:40**
